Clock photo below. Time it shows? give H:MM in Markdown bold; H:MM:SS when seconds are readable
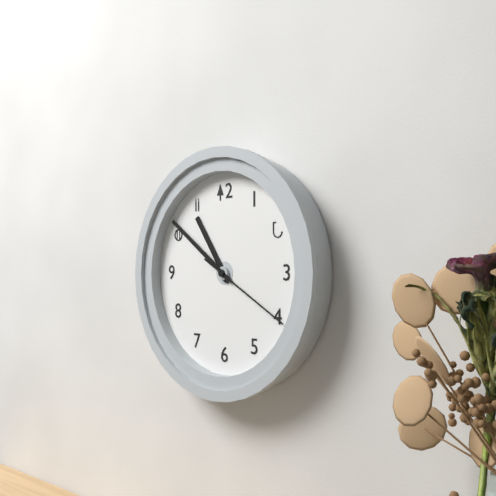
**10:51:20**
